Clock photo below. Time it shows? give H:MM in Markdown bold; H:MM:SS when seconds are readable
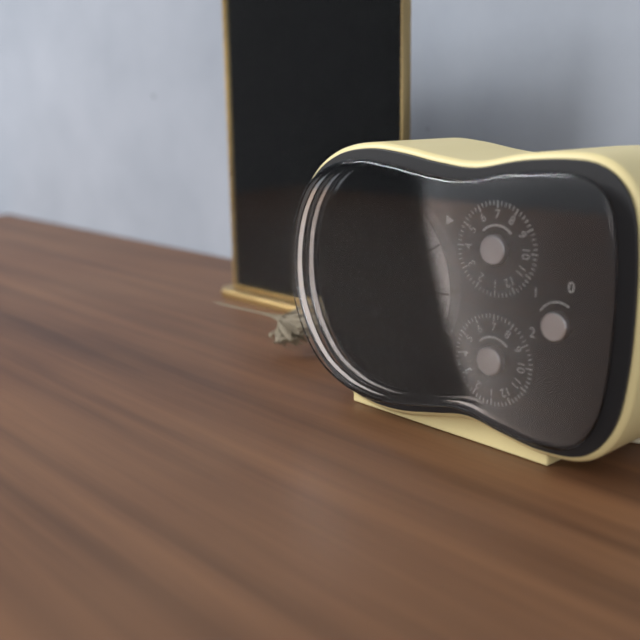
**3:35:12**
